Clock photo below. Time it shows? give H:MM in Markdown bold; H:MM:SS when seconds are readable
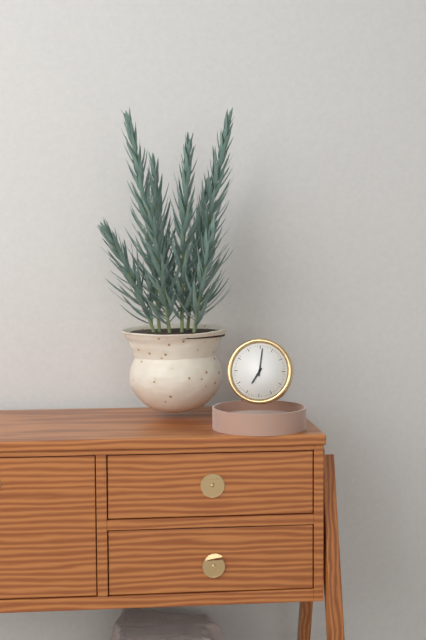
**7:01**
